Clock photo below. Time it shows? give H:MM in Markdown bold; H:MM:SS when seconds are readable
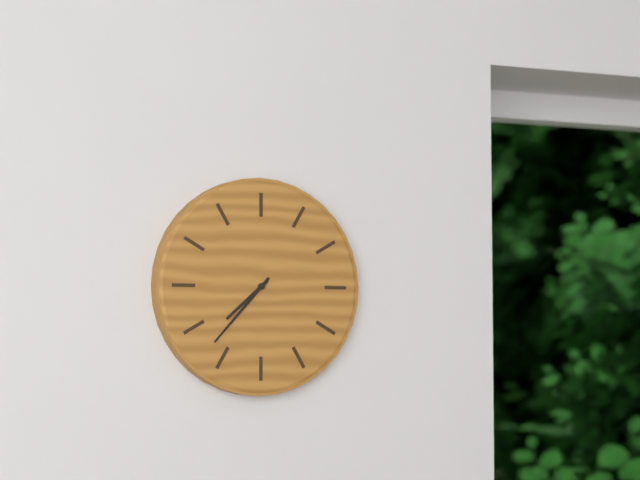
**7:37**
